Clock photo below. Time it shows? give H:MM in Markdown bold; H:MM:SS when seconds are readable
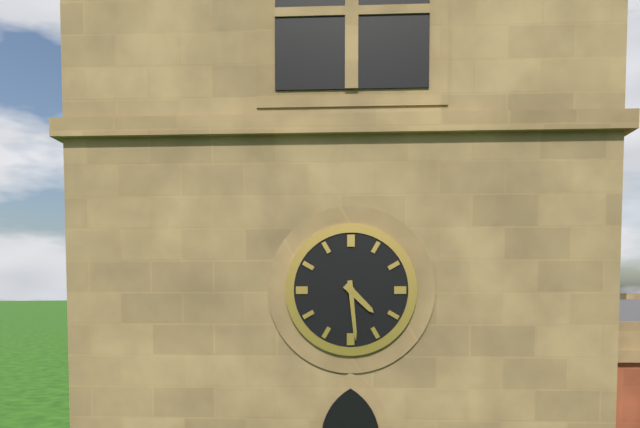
**4:29**
